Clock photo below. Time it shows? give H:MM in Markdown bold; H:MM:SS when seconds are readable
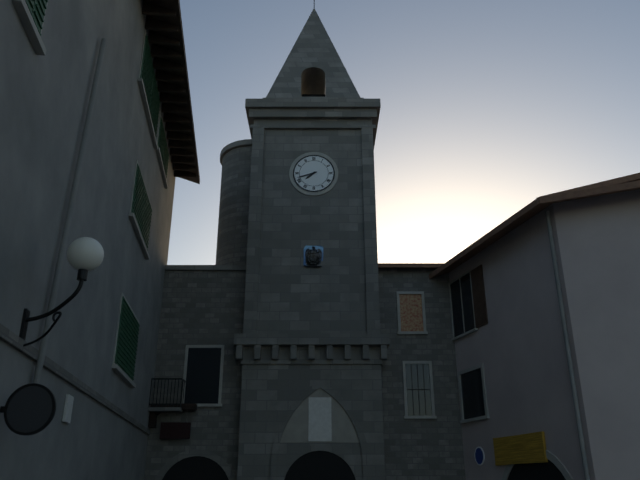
**7:42**
